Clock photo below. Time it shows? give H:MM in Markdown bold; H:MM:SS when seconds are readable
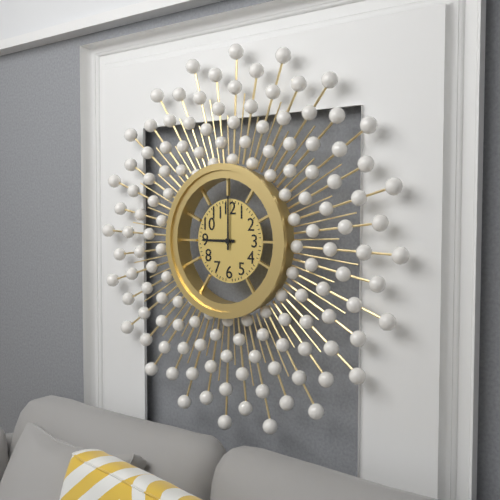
**9:00**
